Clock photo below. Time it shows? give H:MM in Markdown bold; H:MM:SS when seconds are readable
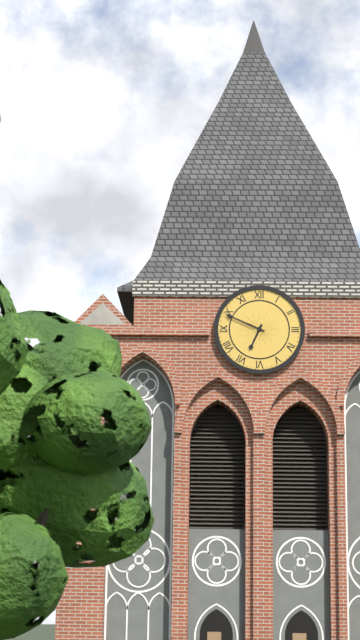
**6:49**
